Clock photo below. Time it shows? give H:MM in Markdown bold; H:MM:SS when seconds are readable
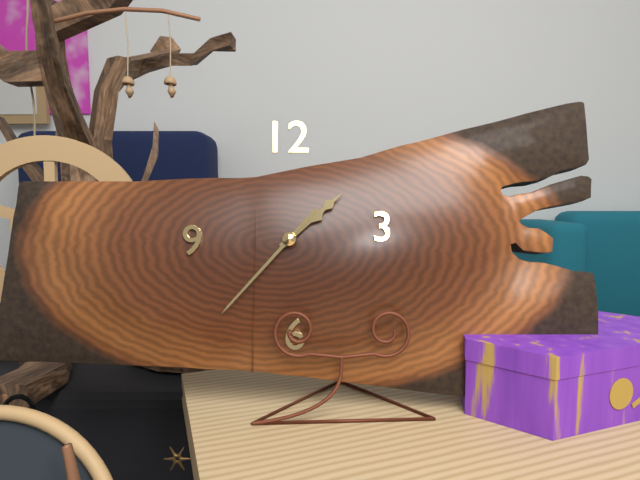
**1:37**
